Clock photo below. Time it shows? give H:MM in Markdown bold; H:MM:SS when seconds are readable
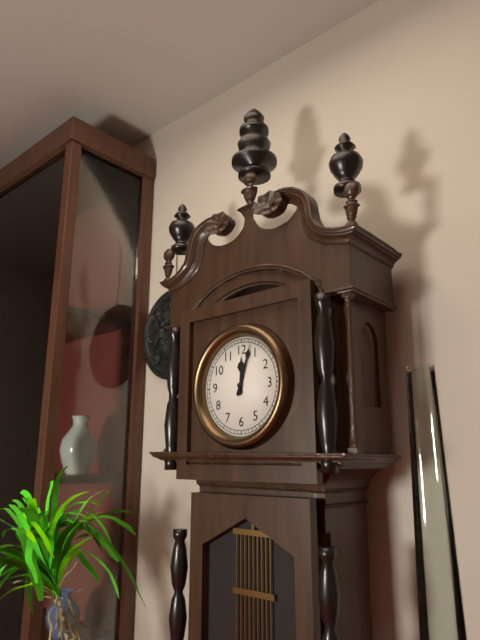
**12:03**
